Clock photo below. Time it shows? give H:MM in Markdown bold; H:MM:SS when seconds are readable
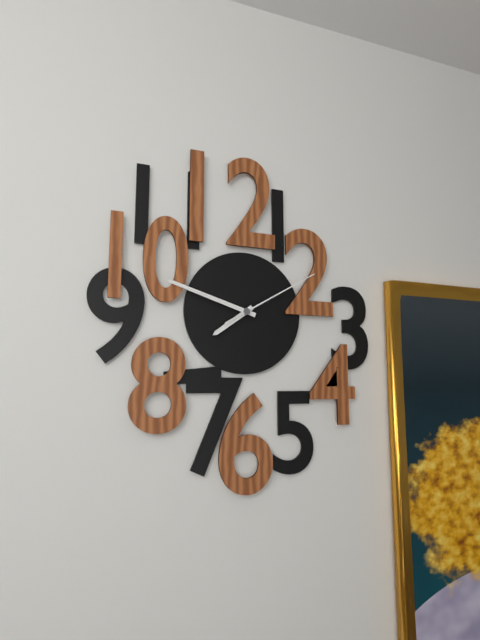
**7:48:10**
